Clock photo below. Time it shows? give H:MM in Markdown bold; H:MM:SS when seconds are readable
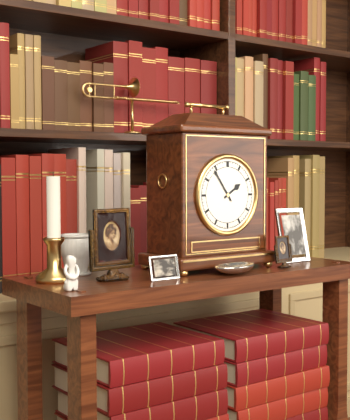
**1:54**
